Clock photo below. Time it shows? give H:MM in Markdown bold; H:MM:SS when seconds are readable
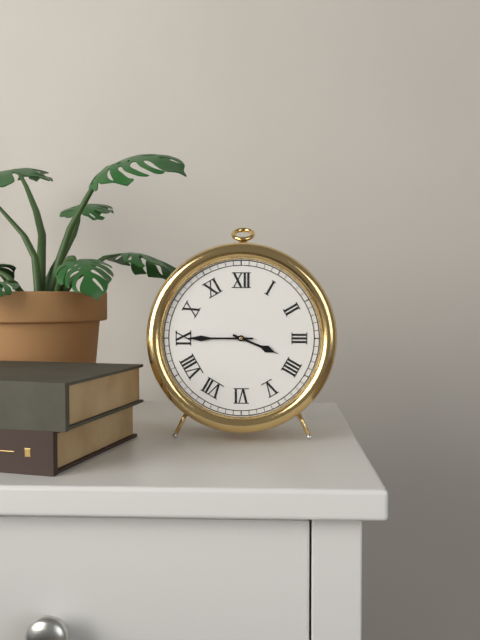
**3:45**
